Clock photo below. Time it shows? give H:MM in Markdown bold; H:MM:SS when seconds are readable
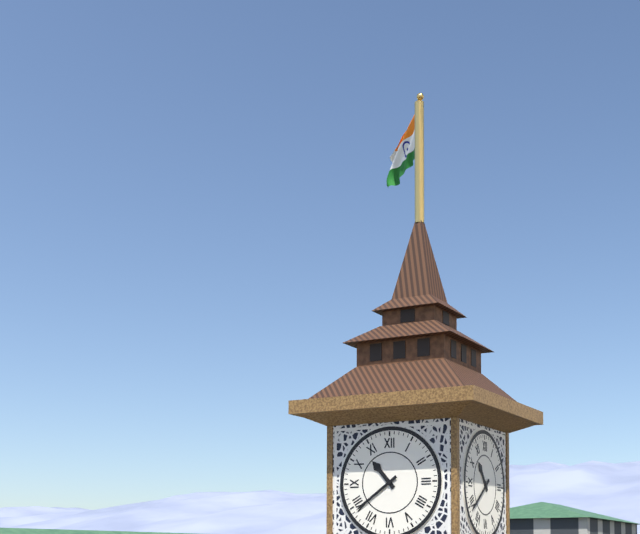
**10:39**
